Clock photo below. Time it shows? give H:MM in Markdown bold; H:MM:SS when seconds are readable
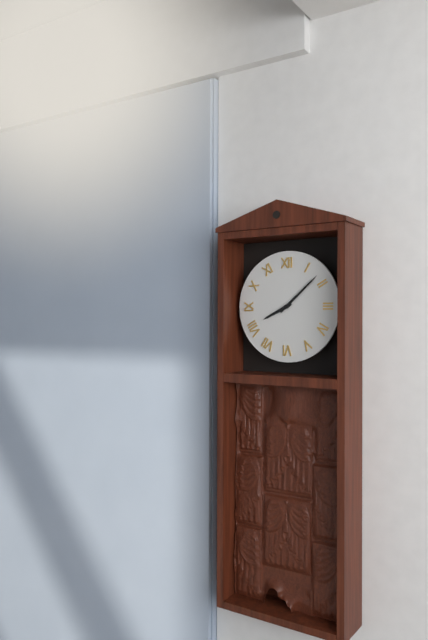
**8:08**
